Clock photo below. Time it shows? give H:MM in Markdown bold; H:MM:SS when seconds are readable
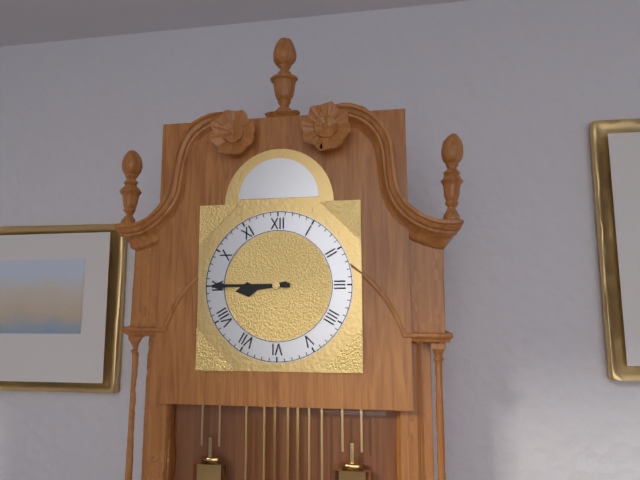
**8:45**
